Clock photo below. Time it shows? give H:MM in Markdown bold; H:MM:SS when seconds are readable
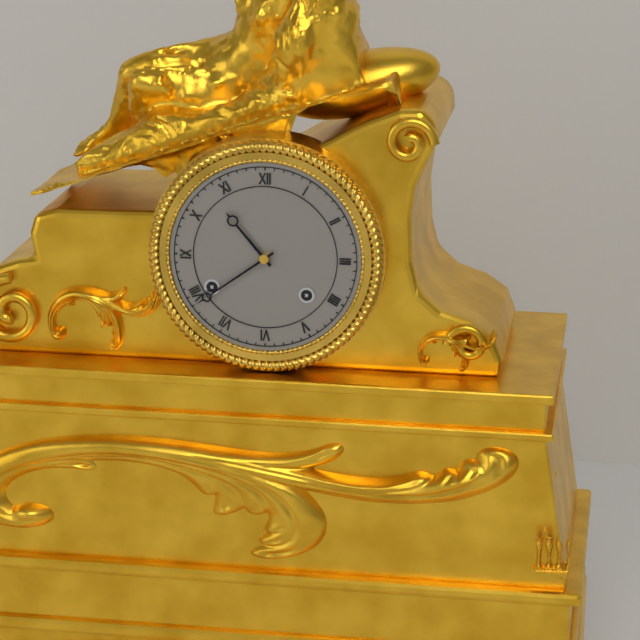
**10:39**
